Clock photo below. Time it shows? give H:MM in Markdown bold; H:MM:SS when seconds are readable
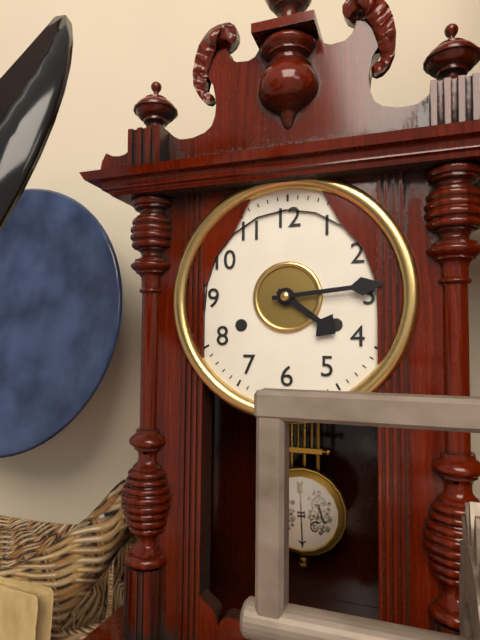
**4:14**
